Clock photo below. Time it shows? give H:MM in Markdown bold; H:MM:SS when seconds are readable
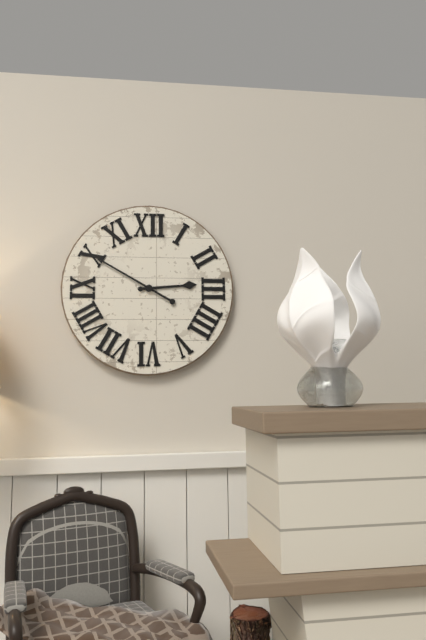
**2:50**
